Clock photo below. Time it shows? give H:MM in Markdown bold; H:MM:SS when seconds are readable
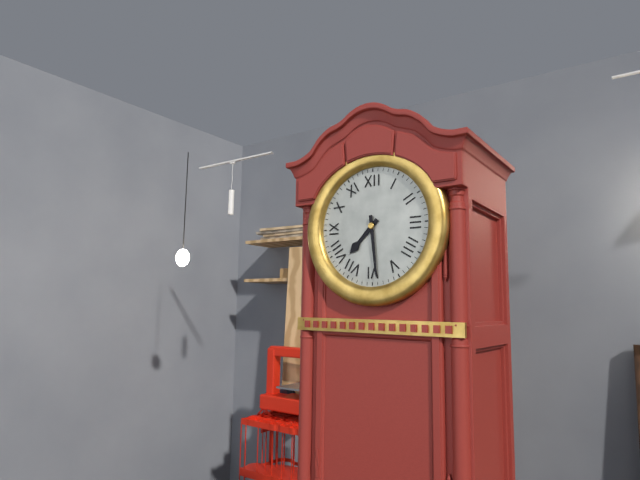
**7:29**
